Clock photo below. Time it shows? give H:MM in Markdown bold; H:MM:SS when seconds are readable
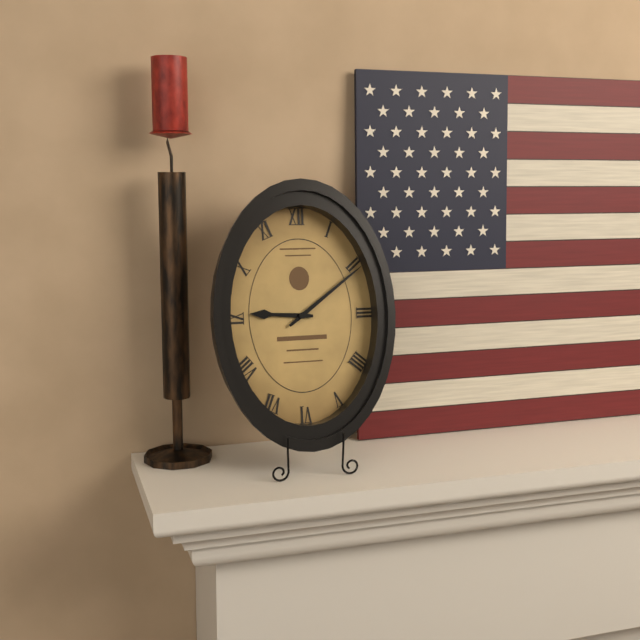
**9:09**
